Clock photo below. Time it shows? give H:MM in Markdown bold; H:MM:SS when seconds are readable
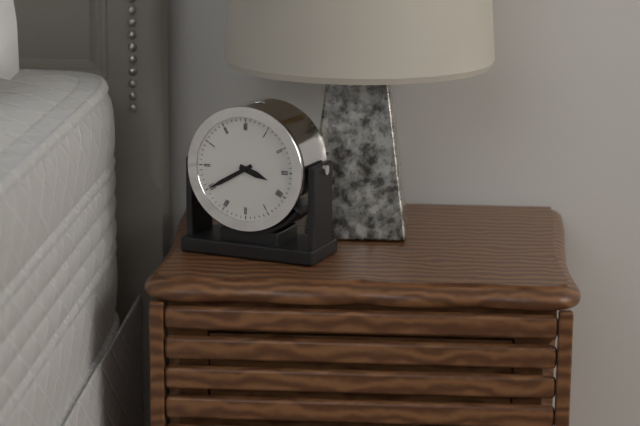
**3:40**
